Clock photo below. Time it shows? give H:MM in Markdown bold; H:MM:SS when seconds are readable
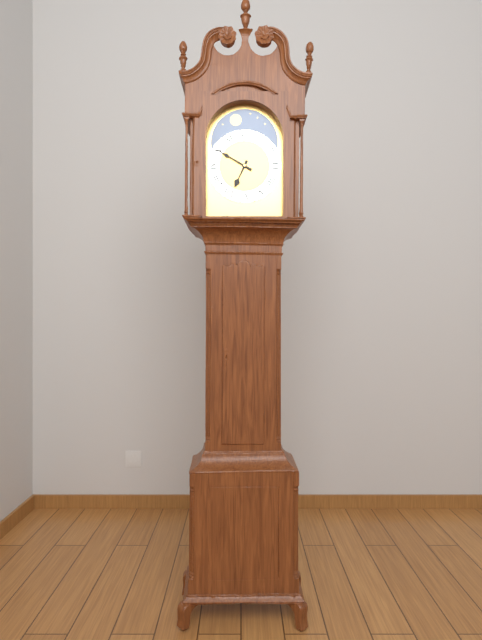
**6:50**
